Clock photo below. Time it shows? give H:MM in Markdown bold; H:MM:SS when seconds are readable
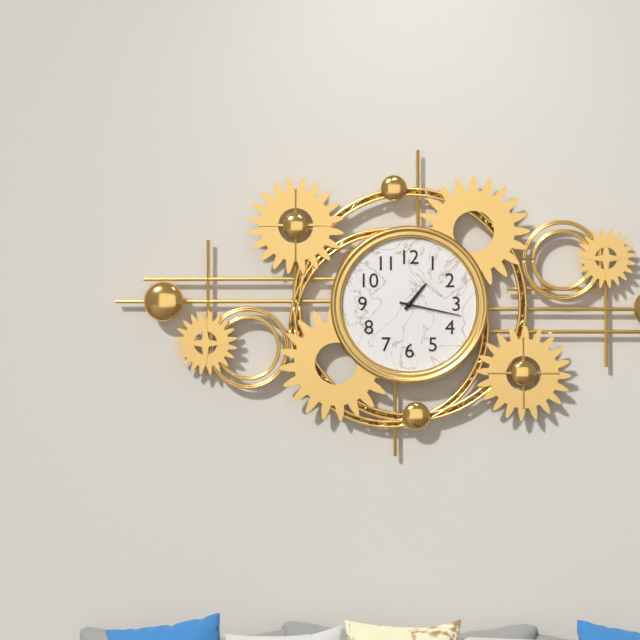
**1:17**
